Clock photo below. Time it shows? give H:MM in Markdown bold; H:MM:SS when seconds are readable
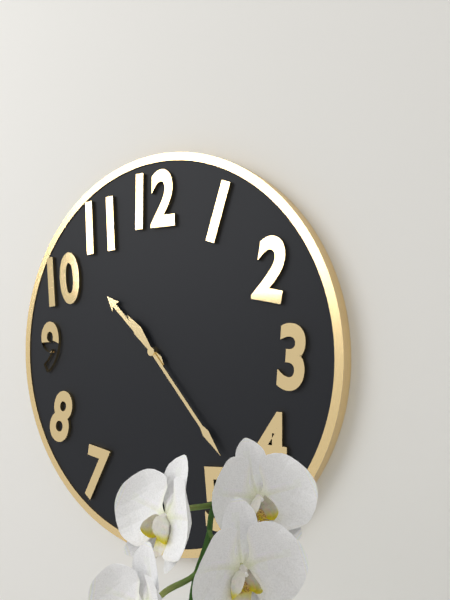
**10:23**
